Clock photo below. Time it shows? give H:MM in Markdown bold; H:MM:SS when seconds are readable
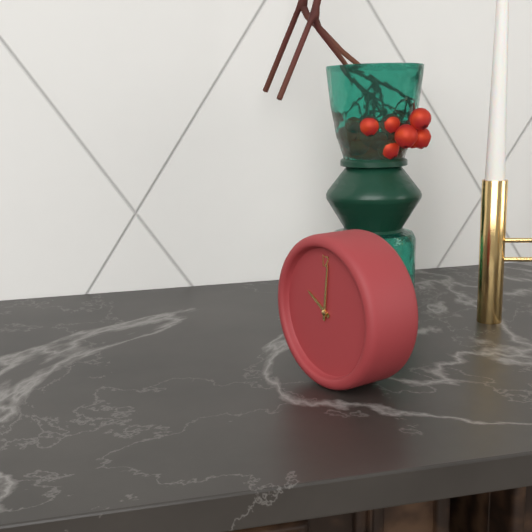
**10:01**
